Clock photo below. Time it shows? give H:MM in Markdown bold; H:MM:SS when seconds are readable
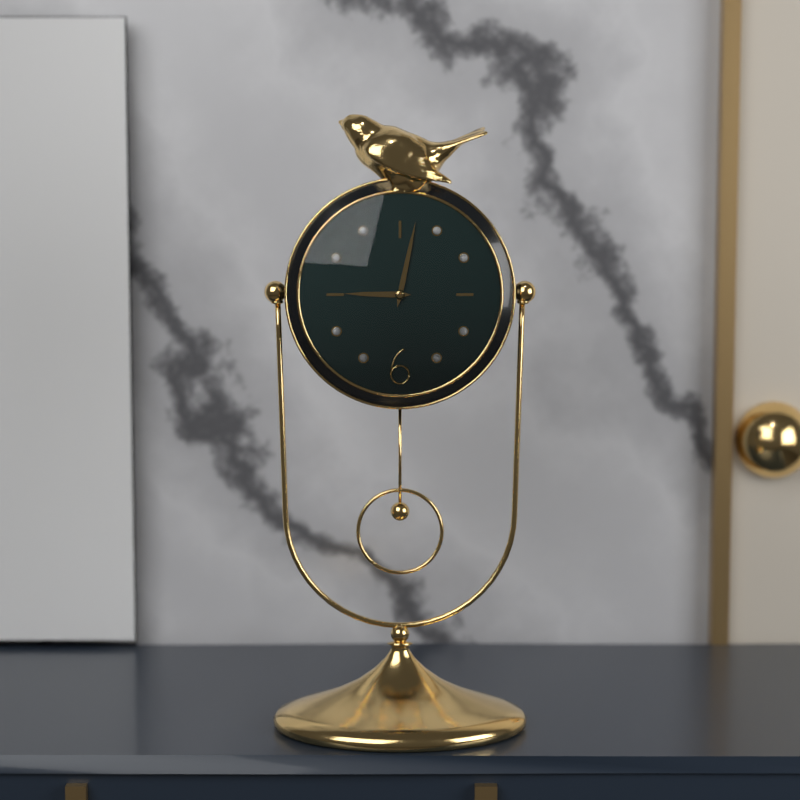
**9:02**
